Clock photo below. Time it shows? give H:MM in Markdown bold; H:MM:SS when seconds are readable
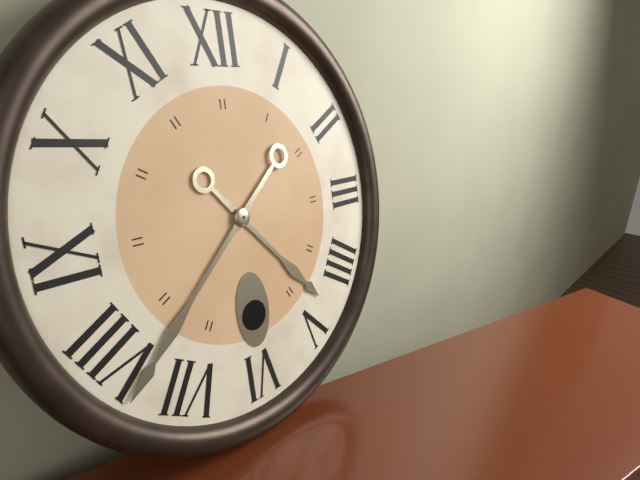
**4:38**
